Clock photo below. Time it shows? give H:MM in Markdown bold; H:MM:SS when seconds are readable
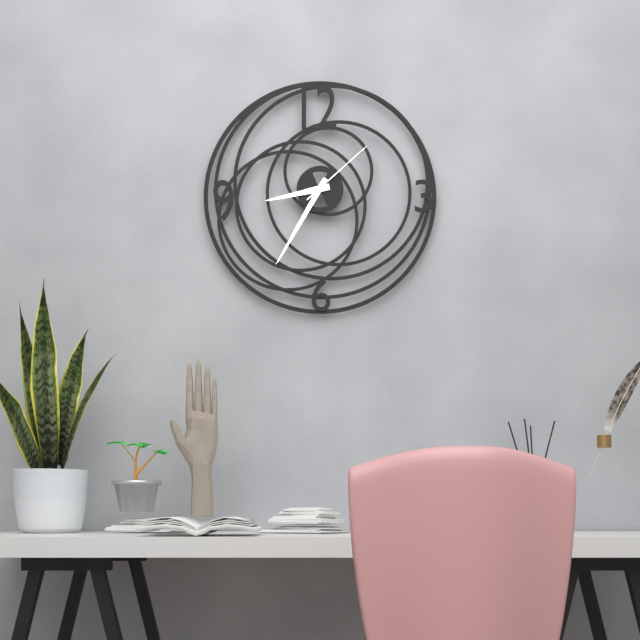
**8:35:08**
